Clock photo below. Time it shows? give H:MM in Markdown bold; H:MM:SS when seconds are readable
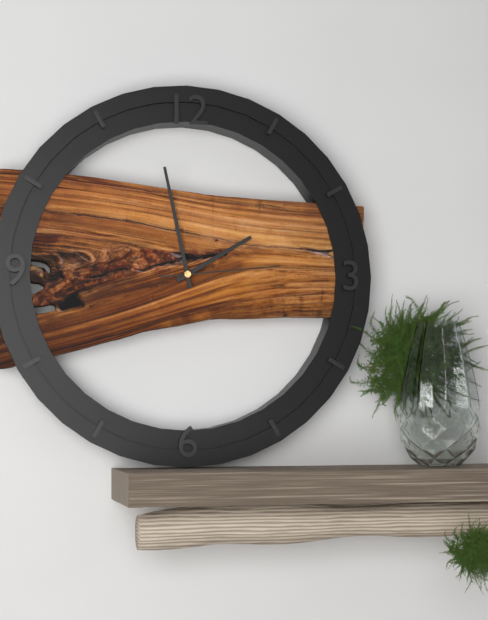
**1:58:14**
